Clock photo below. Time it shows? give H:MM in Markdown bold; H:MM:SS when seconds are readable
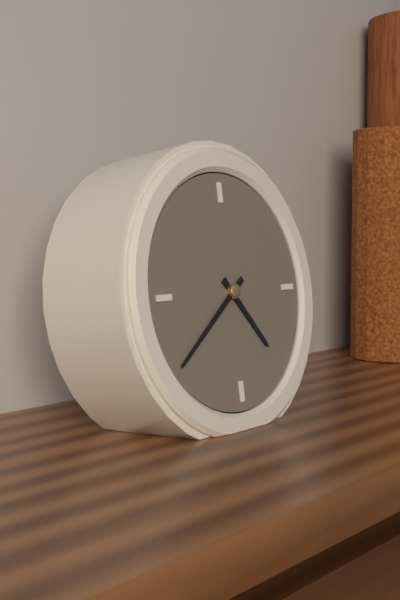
**4:39**
